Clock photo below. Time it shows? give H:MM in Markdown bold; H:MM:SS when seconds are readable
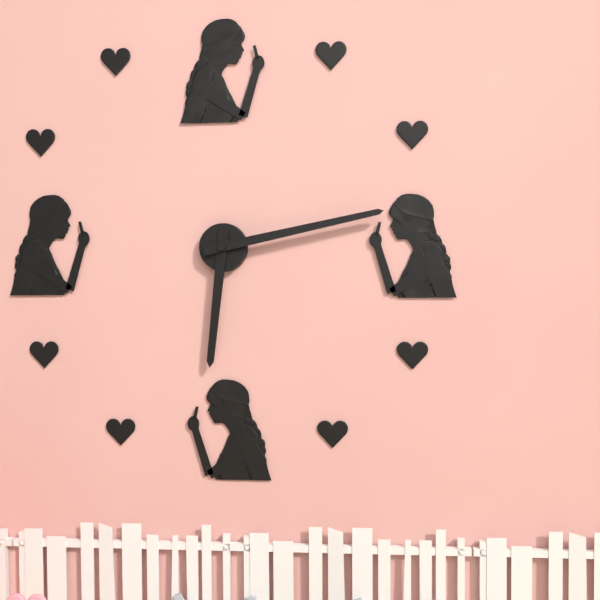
**6:13**
